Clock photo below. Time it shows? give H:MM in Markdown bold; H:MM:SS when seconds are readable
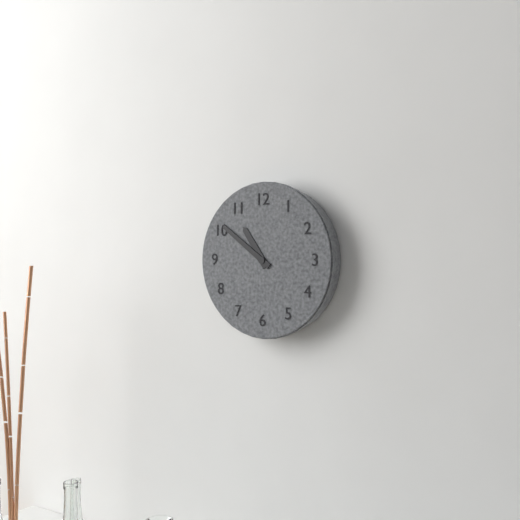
**10:51**
